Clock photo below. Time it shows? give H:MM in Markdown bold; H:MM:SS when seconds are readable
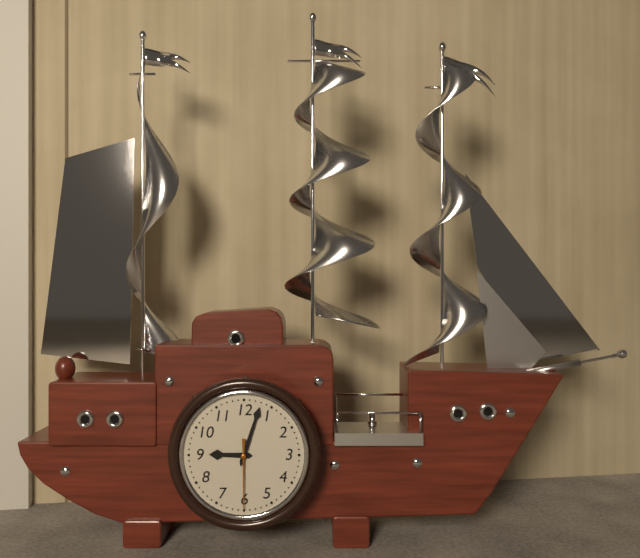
**9:03:30**
